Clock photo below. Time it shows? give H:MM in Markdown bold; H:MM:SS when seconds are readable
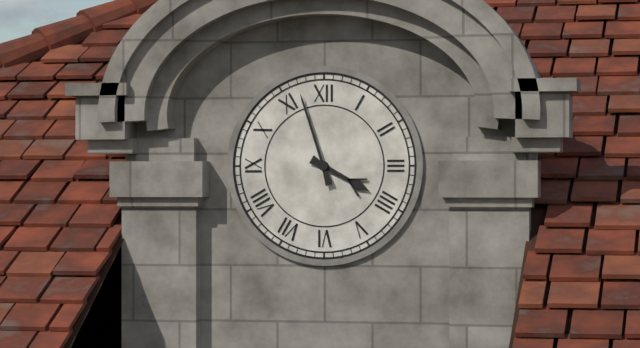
**3:57**
